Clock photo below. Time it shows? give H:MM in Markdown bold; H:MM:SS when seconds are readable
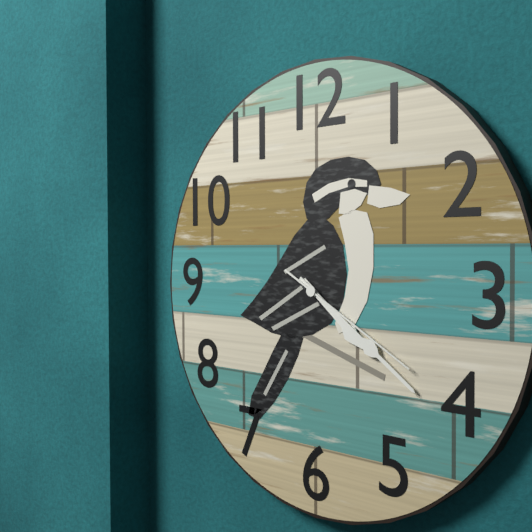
**4:21:20**
